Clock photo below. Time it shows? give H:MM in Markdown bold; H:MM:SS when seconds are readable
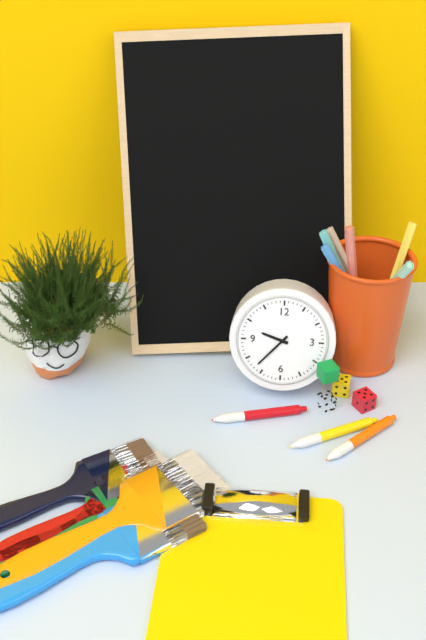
**9:37**
